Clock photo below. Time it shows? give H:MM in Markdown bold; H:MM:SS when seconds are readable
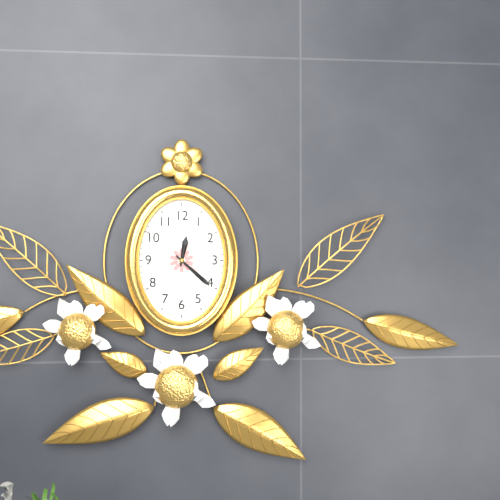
**12:22**
